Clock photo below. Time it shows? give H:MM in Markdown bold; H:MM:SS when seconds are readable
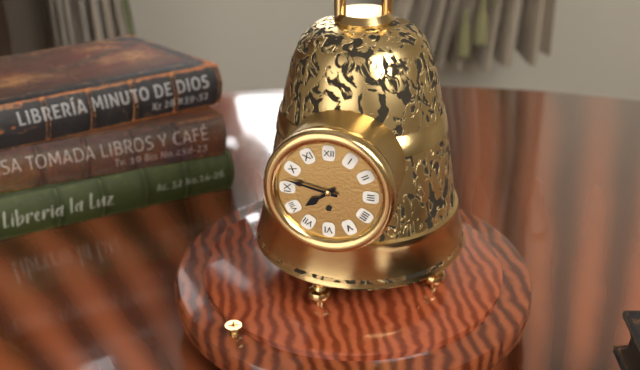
**7:47**
